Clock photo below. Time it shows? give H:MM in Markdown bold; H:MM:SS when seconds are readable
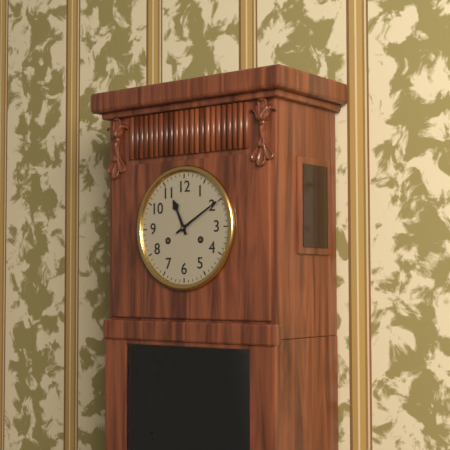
**11:10**
